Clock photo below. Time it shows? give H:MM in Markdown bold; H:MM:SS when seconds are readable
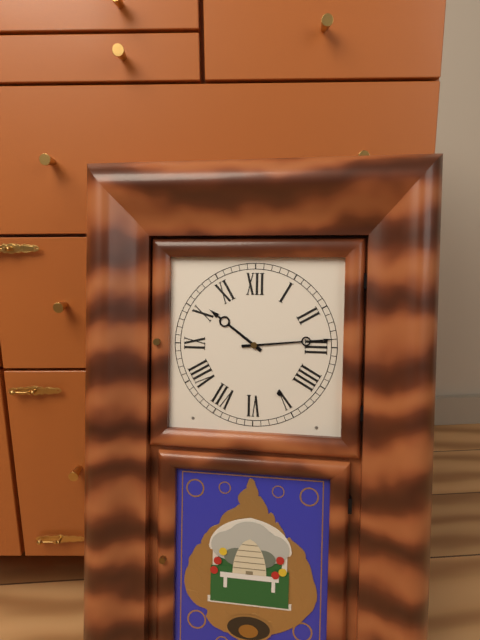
**10:14**
